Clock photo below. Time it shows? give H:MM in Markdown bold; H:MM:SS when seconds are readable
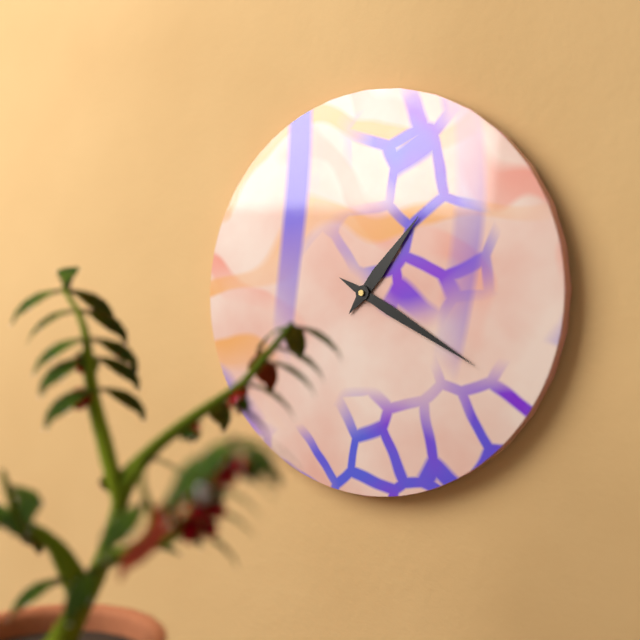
**1:20**
